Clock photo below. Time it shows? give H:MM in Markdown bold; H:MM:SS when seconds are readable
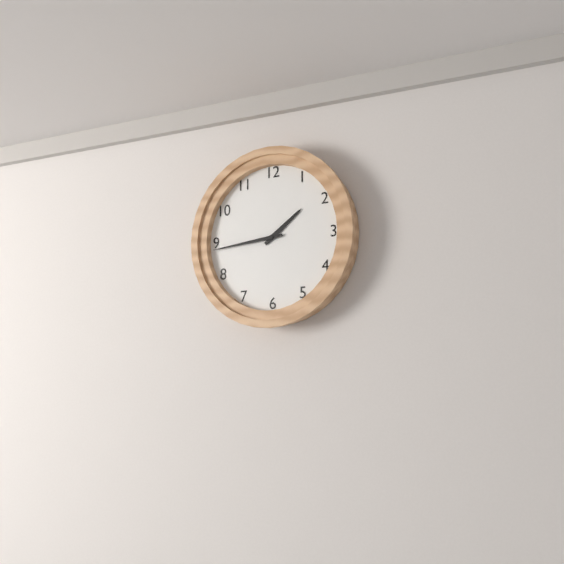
**1:44**
